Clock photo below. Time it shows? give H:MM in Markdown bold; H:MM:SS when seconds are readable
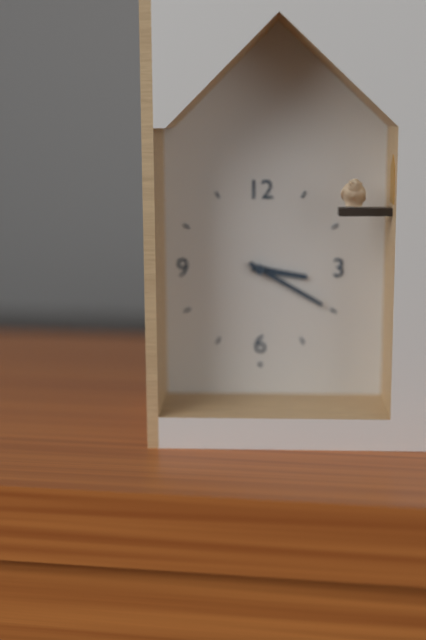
**3:20**
